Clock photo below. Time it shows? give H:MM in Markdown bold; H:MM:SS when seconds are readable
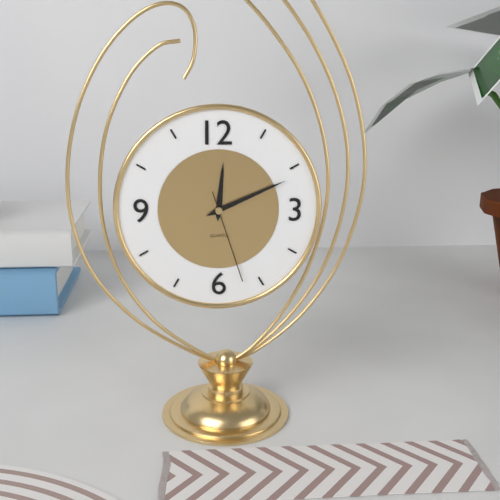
**12:11:27**
